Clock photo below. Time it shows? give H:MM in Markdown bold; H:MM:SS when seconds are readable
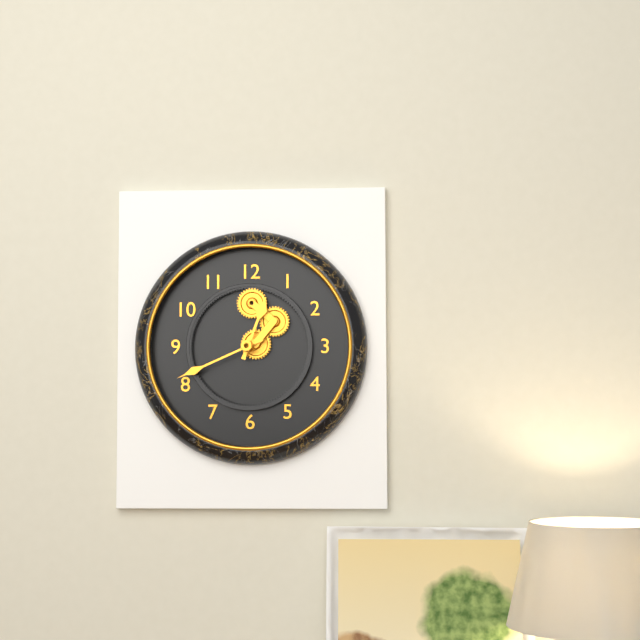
**12:41**
